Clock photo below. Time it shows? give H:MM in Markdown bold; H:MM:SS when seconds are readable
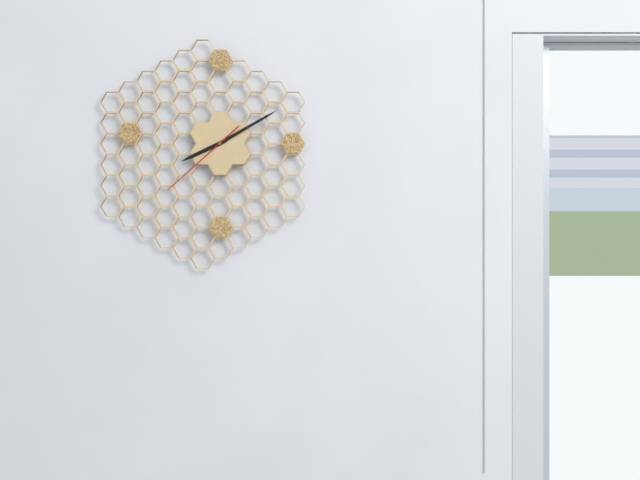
**8:10:38**
